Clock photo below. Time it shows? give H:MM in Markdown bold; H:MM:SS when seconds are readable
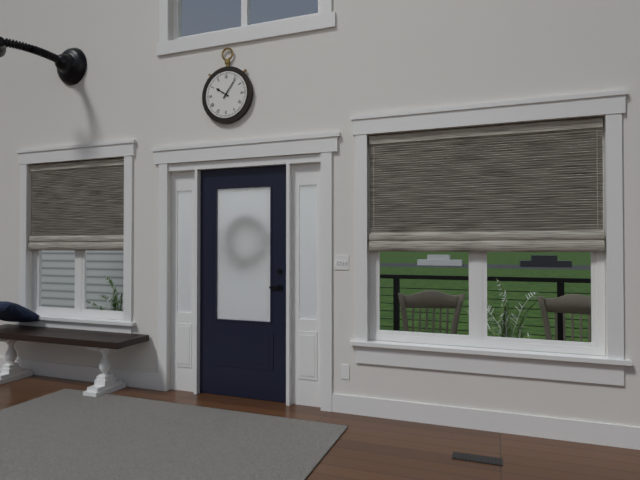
**10:06**
